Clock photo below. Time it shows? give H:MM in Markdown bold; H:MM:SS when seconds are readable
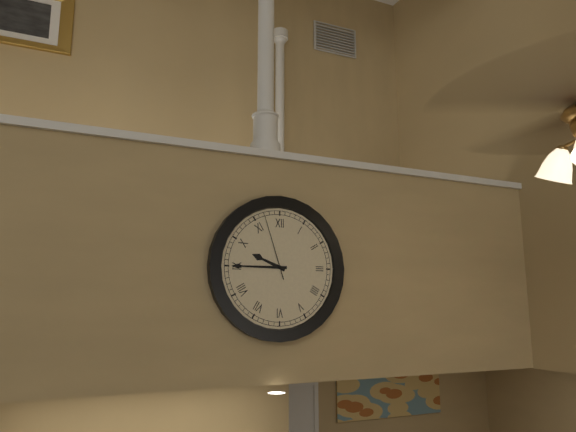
**9:45:57**
